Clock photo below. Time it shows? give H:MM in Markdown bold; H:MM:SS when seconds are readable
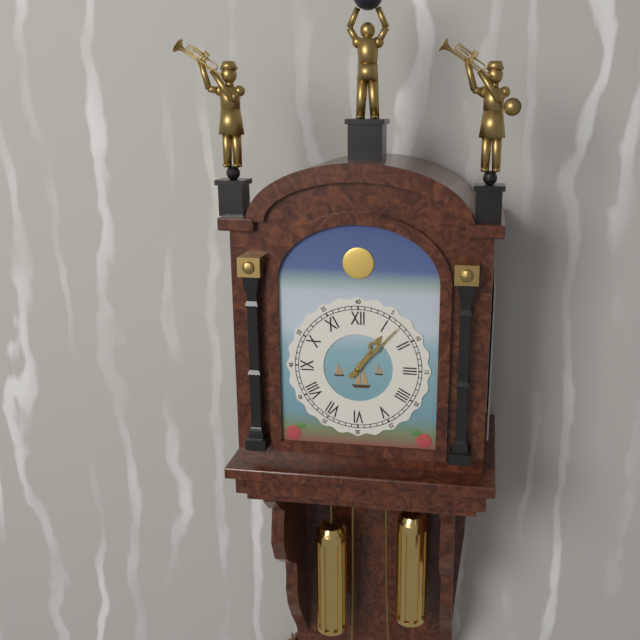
**1:07**
